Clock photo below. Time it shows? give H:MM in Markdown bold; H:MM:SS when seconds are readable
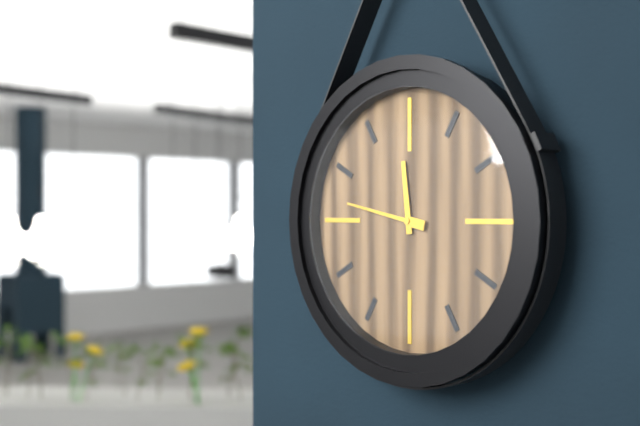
**11:47**
